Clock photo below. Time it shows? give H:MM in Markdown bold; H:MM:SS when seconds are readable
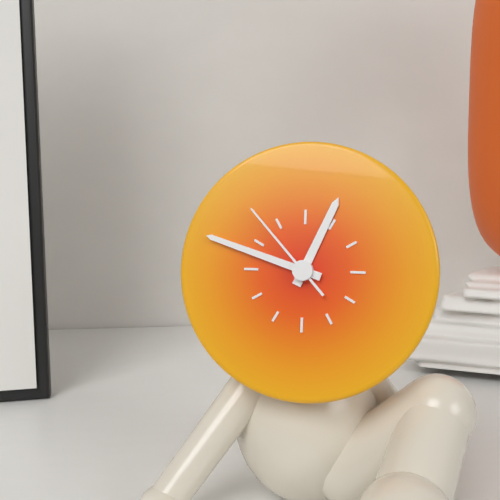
**12:48:53**
